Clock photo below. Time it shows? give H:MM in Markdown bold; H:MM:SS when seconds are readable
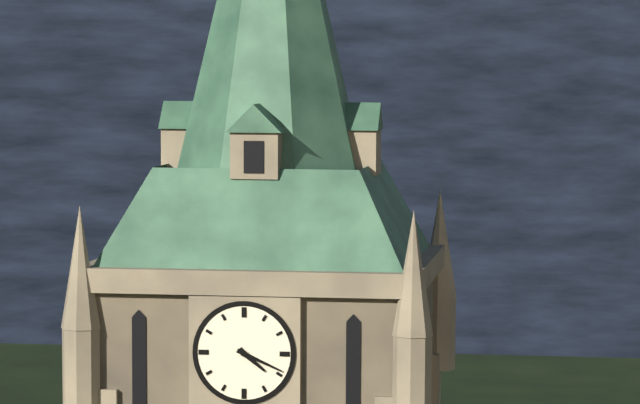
**4:19**
